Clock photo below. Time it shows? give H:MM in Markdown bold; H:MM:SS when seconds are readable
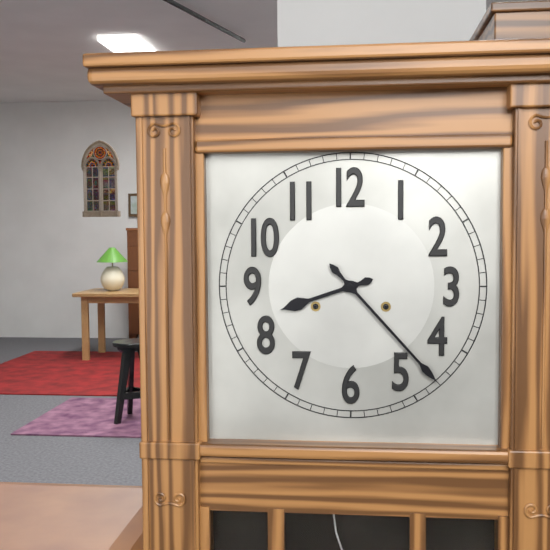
**8:23**
